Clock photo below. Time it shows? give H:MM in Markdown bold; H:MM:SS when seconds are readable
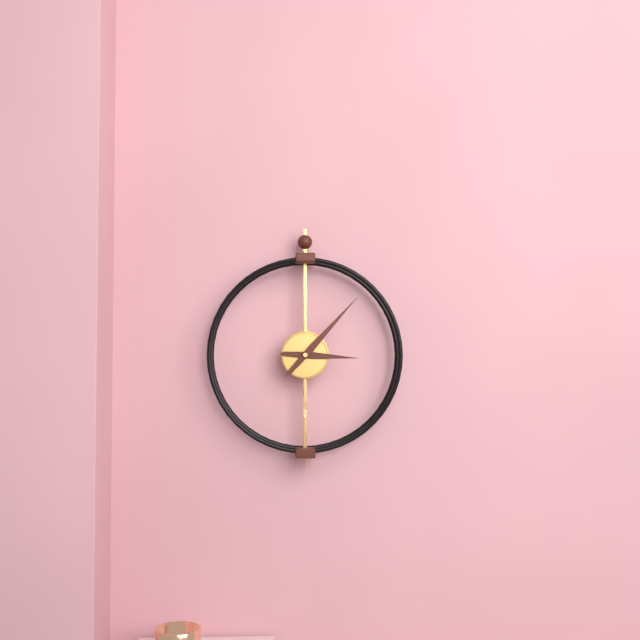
**3:07**
